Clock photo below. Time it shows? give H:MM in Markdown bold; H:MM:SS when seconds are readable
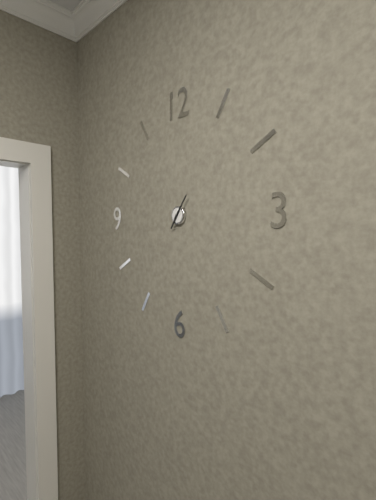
**7:06**
